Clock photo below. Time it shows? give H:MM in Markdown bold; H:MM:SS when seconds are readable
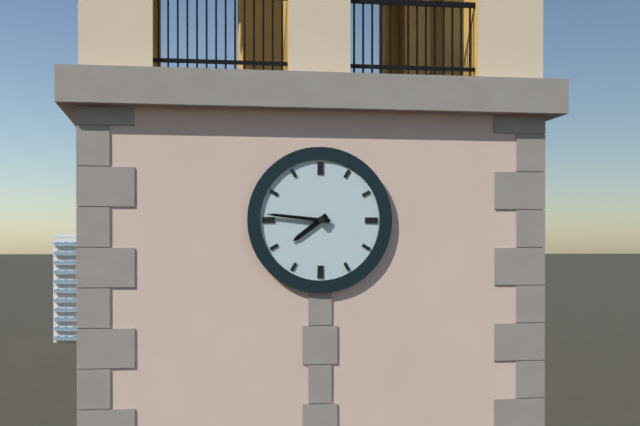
**7:46**
